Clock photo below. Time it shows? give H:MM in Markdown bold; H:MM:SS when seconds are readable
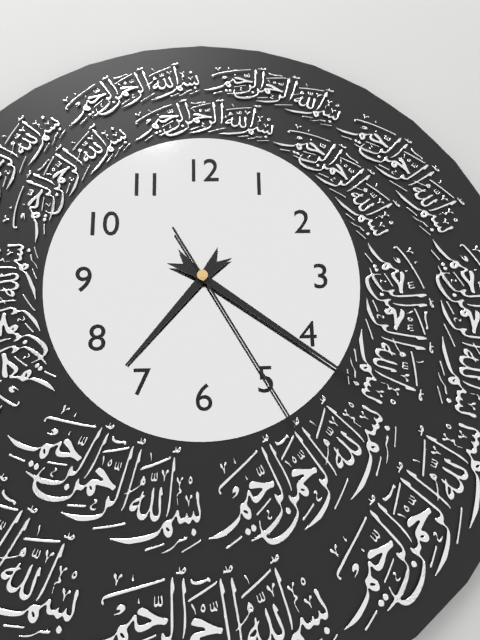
**7:21:25**
